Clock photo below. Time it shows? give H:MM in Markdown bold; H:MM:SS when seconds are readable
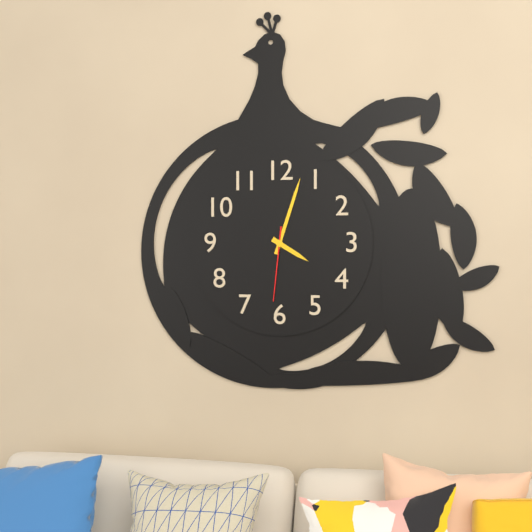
**4:03:31**
